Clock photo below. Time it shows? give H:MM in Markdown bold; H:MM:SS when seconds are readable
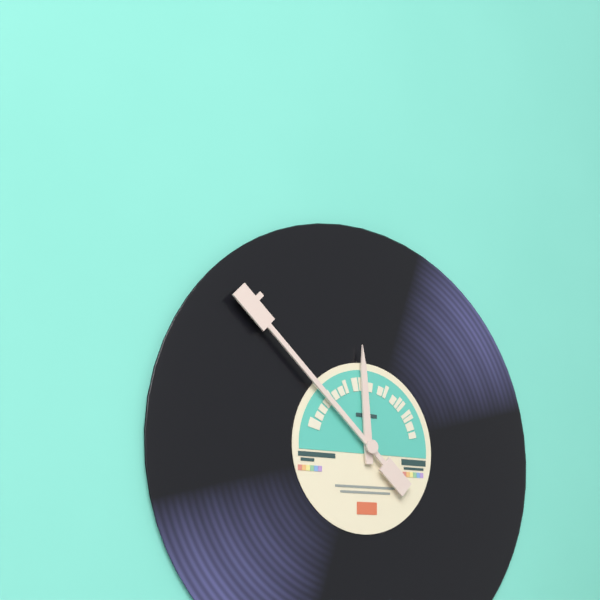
**11:52**
